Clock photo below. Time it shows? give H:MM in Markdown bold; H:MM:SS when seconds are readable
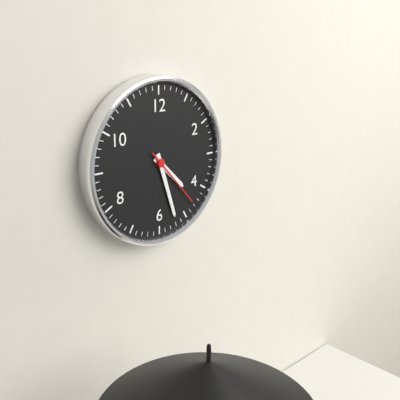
**4:27:23**
